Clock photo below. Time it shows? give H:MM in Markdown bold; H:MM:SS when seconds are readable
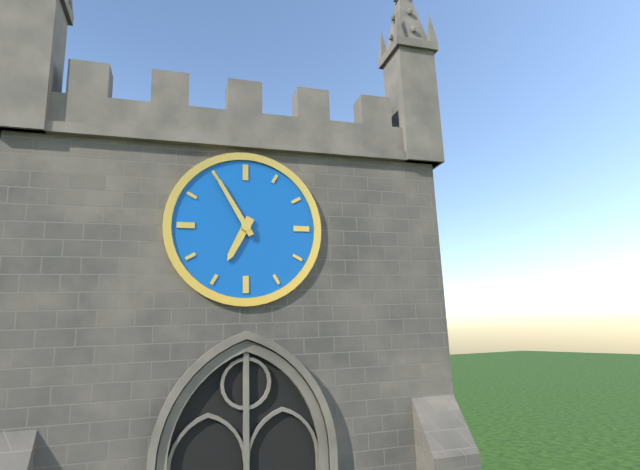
**6:55**
